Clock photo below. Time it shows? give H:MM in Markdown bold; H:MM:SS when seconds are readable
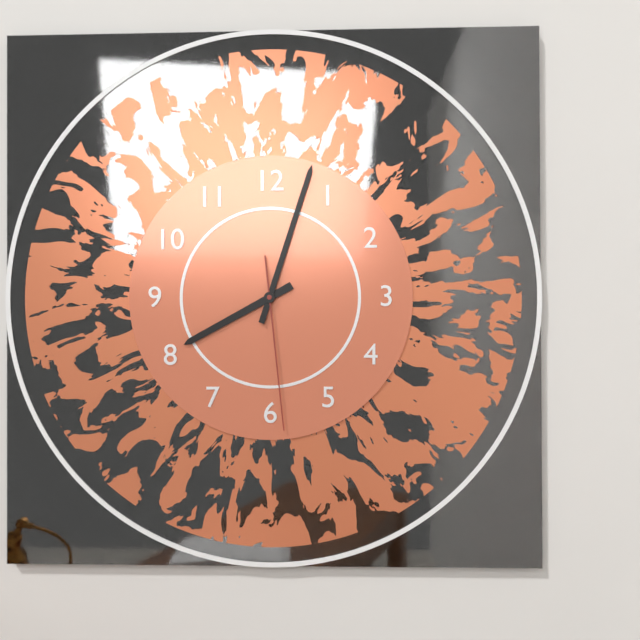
**8:03:29**
